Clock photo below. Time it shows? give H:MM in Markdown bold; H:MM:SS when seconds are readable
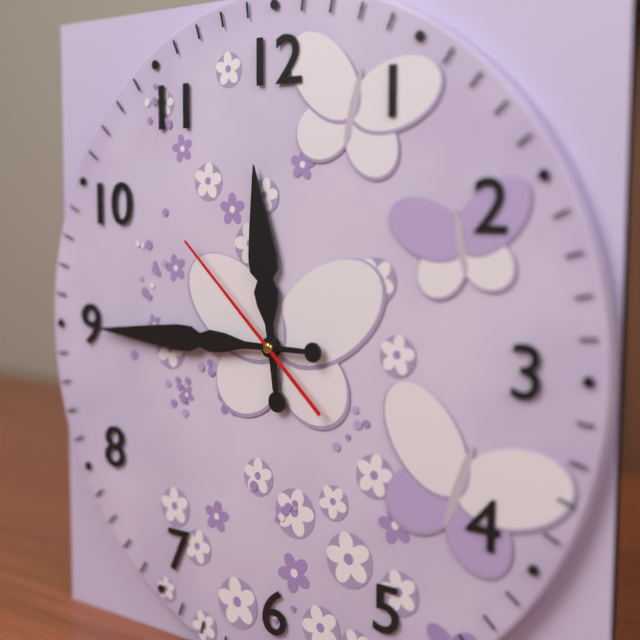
**11:45:52**
